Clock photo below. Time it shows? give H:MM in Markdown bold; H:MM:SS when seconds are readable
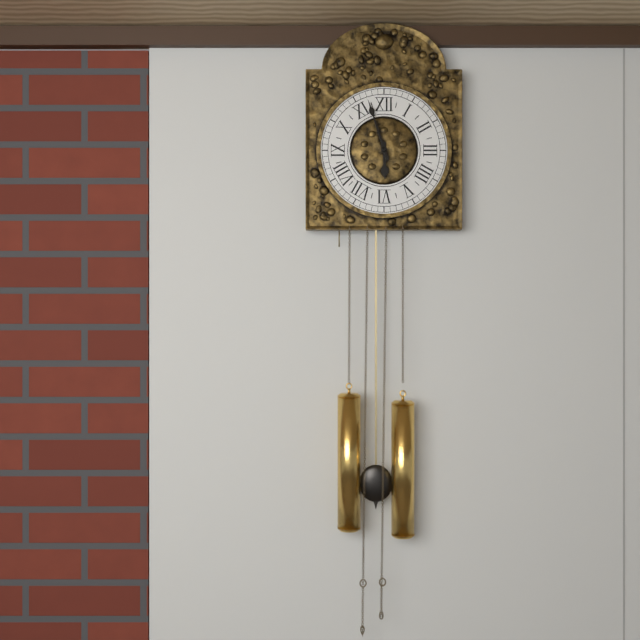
**5:57**
